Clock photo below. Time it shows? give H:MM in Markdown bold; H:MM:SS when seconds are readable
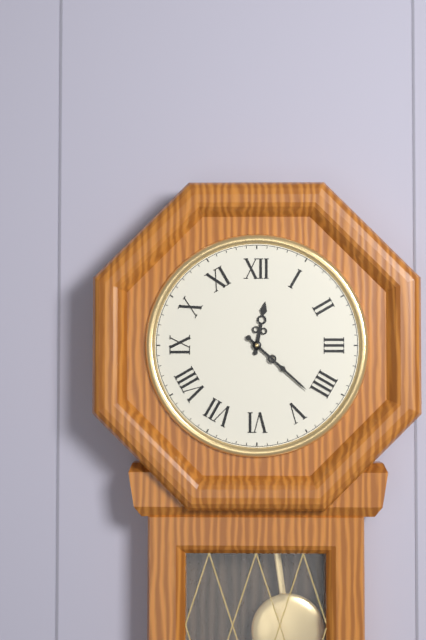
**12:22**
